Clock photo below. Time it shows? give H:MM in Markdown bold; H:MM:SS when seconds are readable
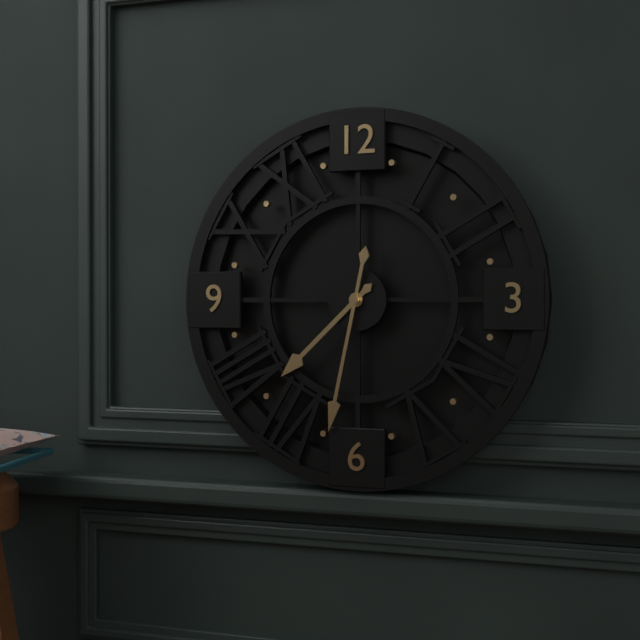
**7:32**
